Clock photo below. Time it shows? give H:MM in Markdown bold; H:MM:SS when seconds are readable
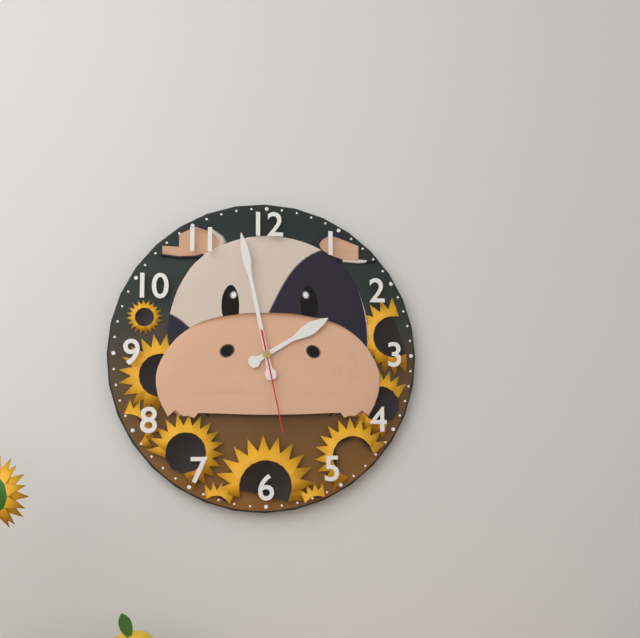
**1:58:28**
